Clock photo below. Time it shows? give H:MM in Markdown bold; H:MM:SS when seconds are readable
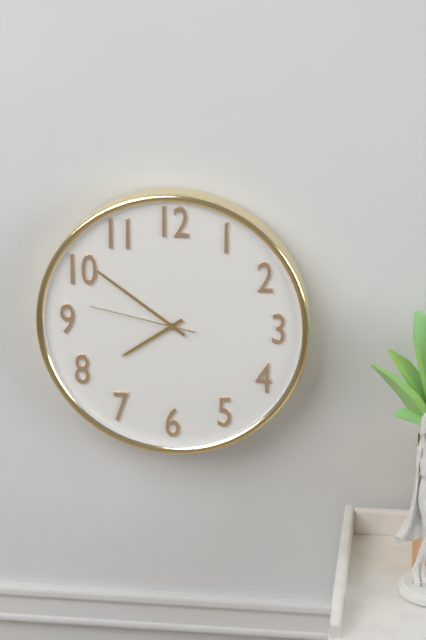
**7:51:47**
